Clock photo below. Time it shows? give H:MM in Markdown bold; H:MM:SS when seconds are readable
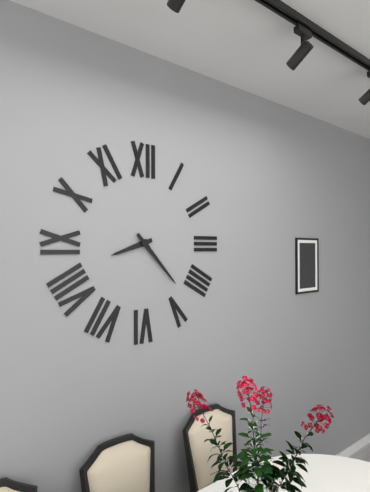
**8:23**
